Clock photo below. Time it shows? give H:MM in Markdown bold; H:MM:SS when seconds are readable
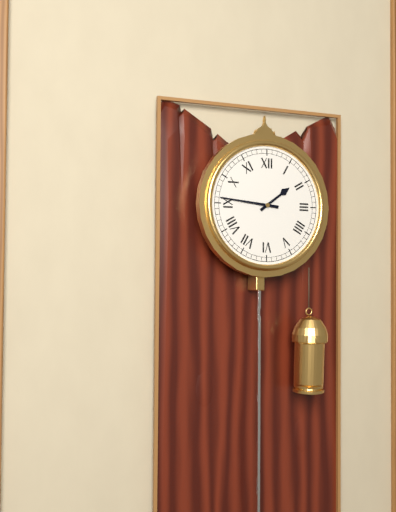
**1:46**
